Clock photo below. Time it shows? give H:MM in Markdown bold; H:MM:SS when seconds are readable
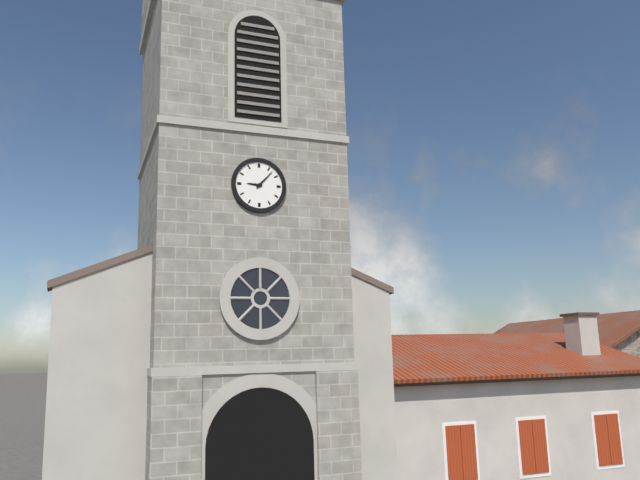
**9:07**
